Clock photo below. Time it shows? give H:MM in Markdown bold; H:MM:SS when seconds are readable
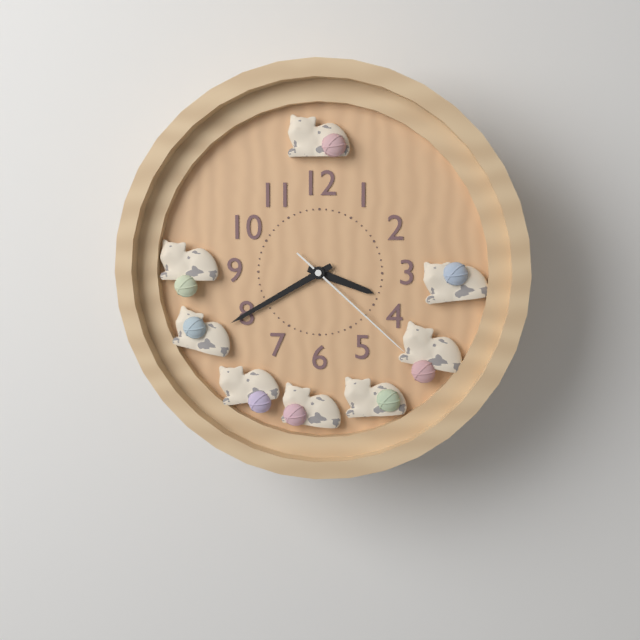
**3:40:22**
